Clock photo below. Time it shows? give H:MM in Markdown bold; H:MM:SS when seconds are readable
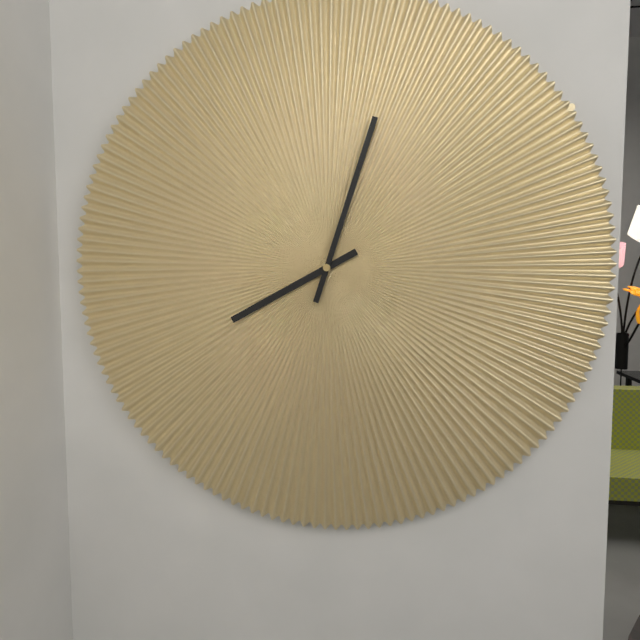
**8:03**
